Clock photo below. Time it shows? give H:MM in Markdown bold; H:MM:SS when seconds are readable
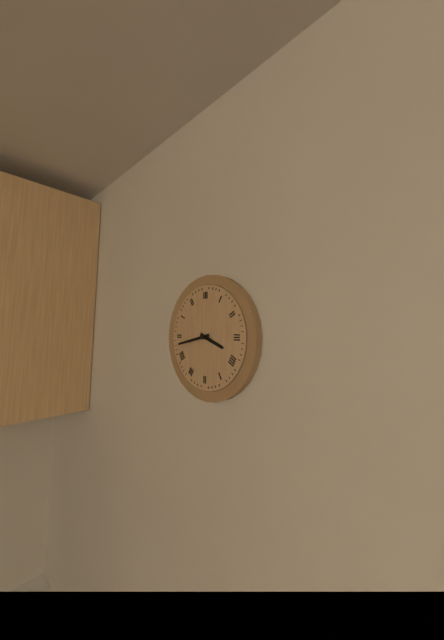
**3:43**
